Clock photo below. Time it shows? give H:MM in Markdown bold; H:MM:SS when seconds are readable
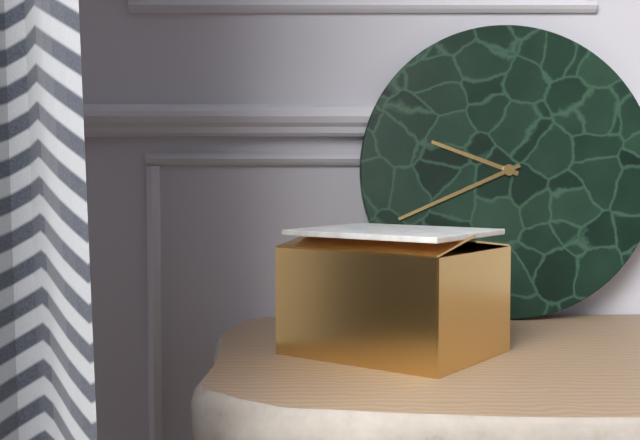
**9:41**
